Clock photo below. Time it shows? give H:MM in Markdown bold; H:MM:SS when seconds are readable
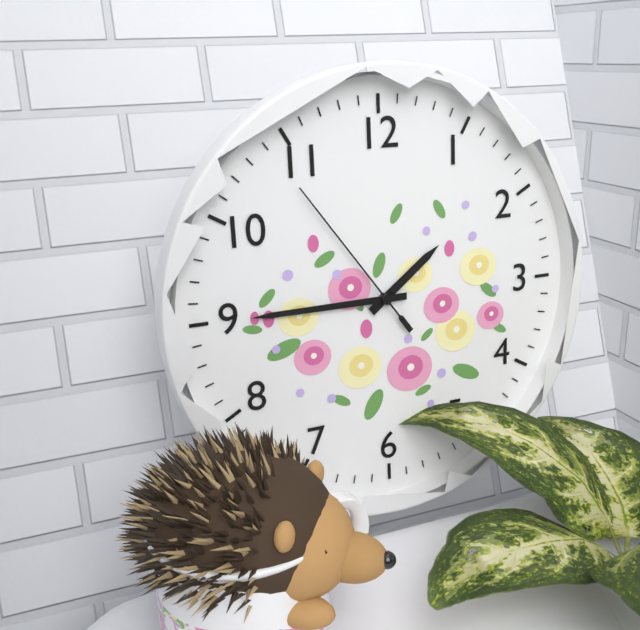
**1:45:54**
